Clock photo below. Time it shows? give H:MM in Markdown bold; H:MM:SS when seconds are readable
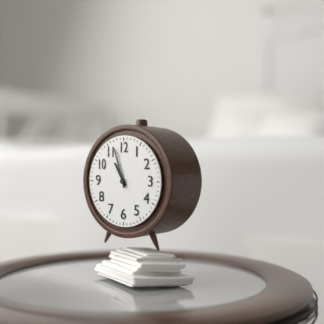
**10:57**
